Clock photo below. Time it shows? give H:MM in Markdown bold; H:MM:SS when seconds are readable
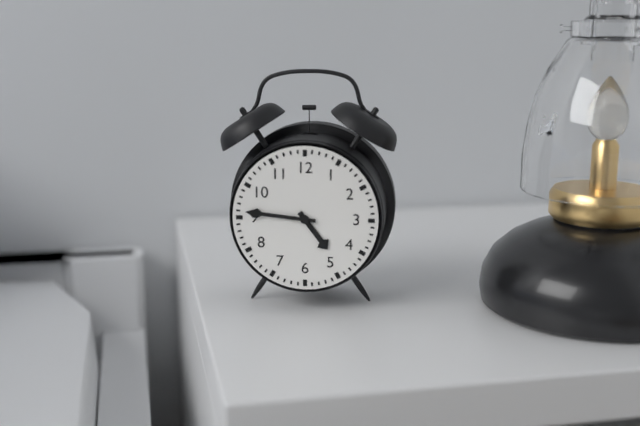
**4:46**
